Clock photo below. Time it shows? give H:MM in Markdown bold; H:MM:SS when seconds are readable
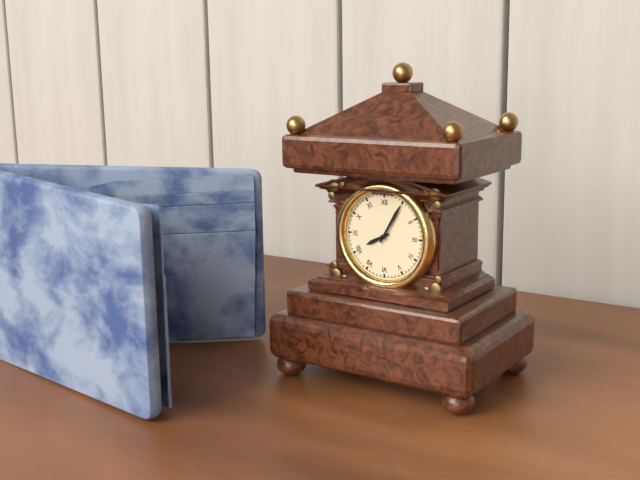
**8:05**
